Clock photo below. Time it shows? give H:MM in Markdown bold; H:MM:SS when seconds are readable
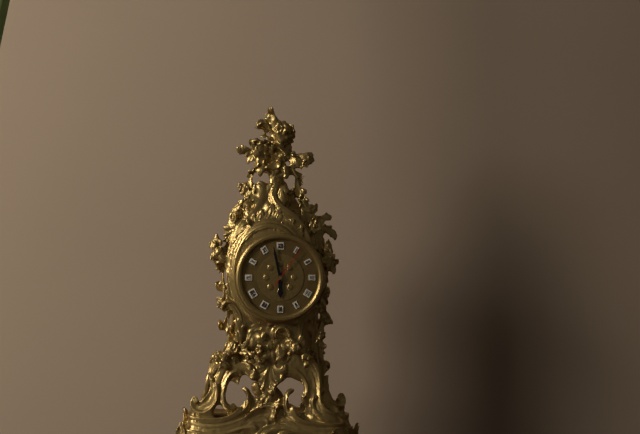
**5:58**
